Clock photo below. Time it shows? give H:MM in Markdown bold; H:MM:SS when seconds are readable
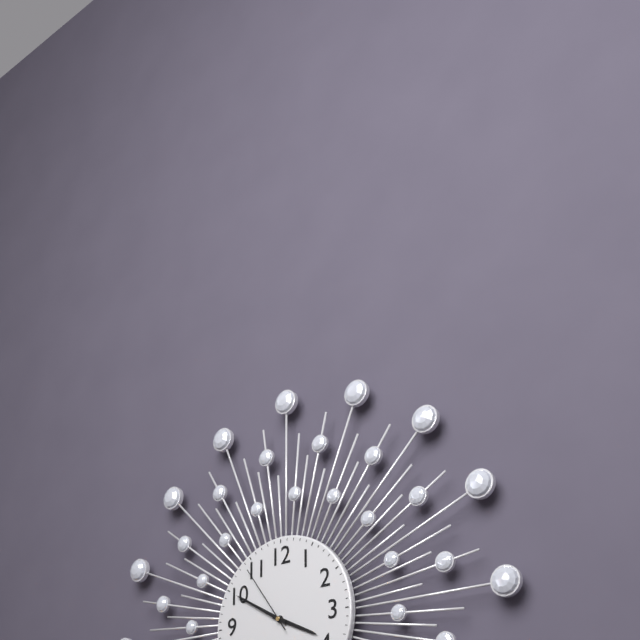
**3:50:54**
